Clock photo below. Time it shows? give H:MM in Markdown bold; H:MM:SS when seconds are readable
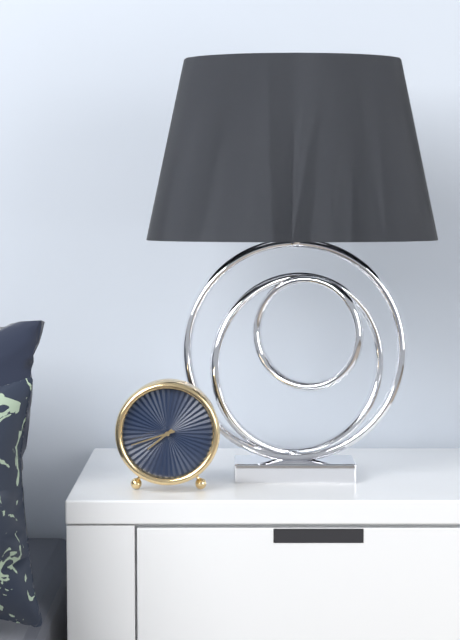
**7:42**
